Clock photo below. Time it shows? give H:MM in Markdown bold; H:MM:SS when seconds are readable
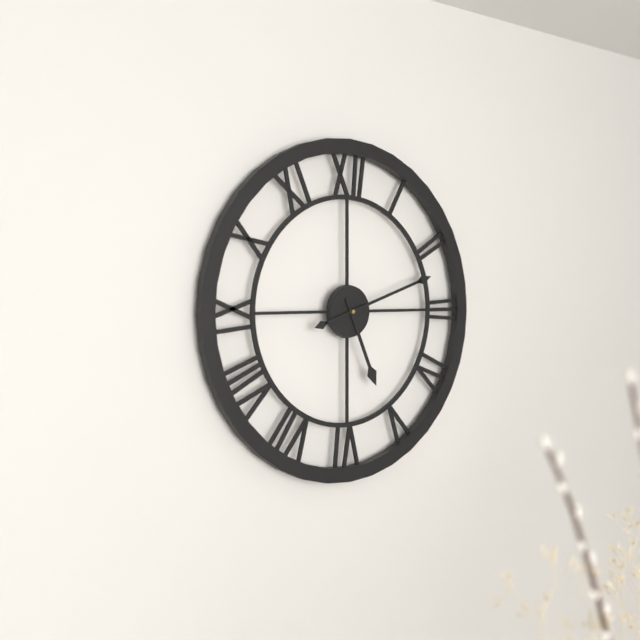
**5:12**
